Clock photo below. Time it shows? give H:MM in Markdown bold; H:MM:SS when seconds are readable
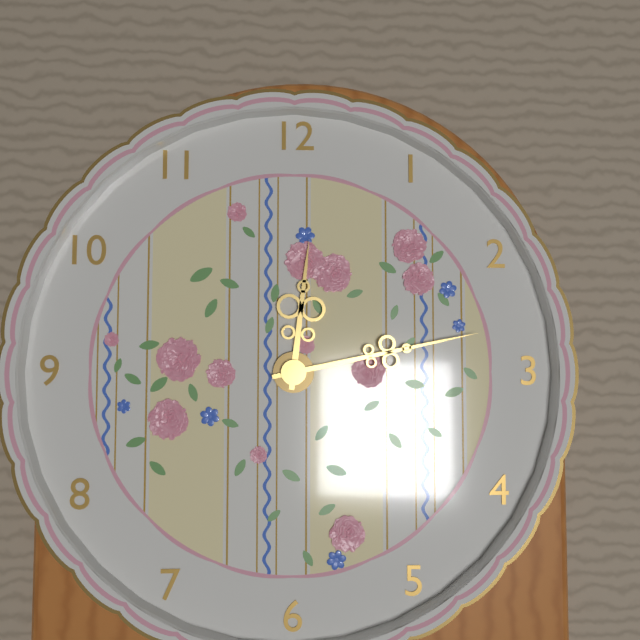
**12:13**
